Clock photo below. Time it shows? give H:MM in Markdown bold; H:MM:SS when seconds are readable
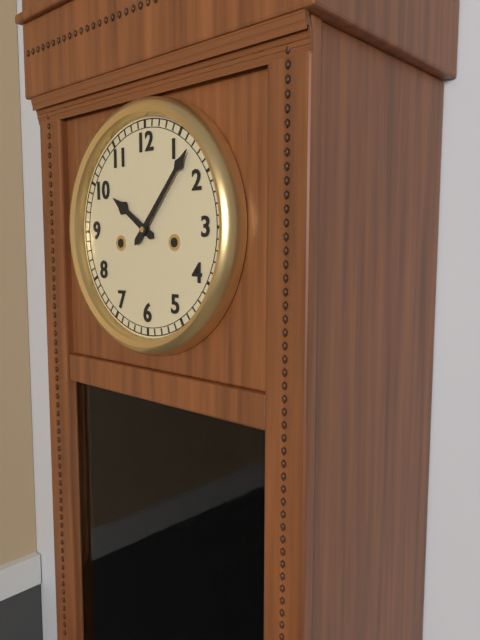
**10:07**
